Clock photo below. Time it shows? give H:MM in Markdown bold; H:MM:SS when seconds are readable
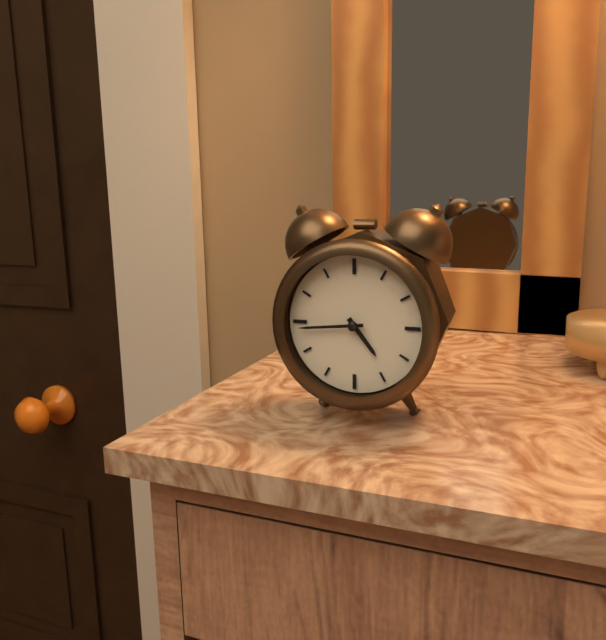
**4:44**
